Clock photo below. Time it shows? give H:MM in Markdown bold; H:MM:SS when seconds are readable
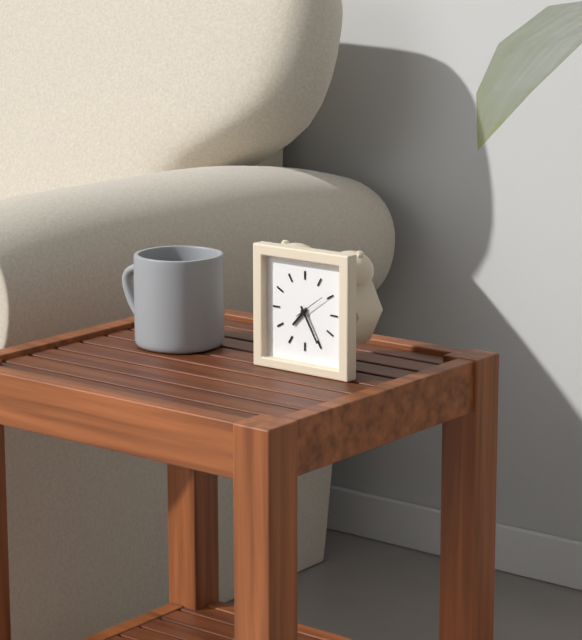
**7:25**
